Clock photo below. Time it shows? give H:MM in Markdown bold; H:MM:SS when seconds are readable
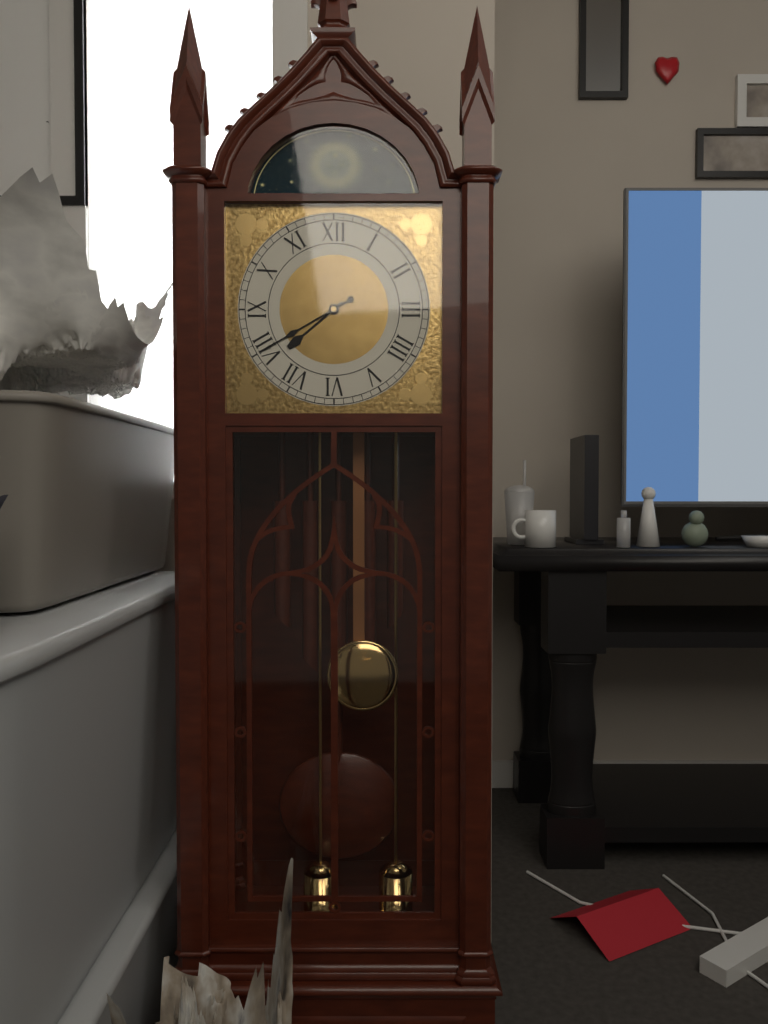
**7:40**
